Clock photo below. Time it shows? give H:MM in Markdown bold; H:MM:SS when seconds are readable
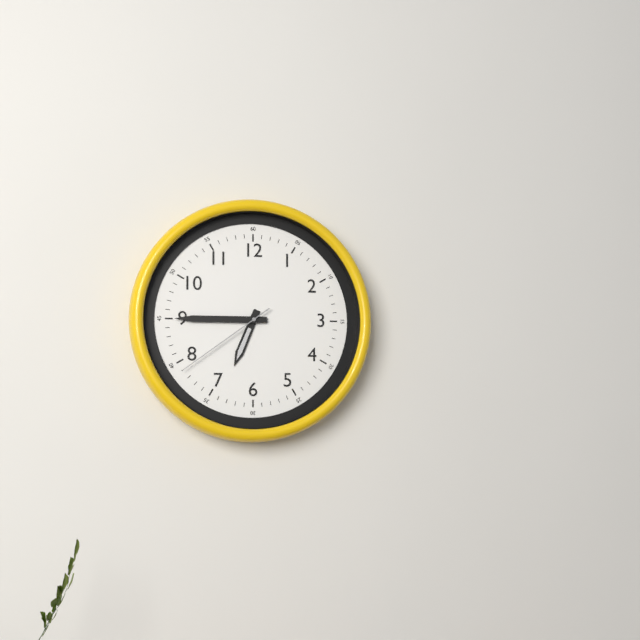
**6:45:39**
